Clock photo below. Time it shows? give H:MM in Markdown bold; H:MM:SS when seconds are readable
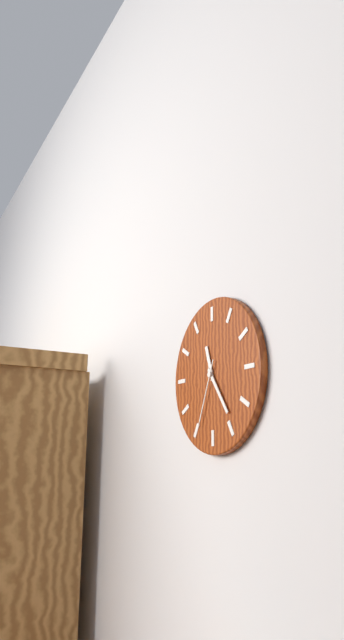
**11:24:34**
